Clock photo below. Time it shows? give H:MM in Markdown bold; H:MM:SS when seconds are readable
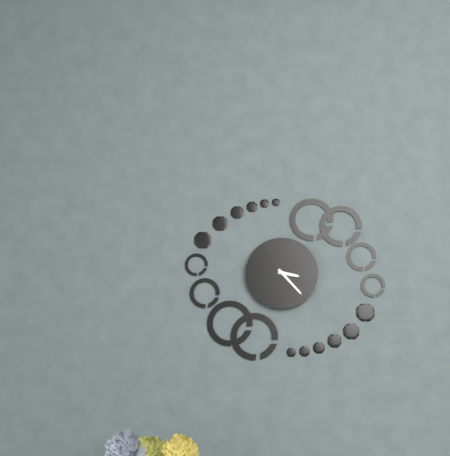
**3:23**
